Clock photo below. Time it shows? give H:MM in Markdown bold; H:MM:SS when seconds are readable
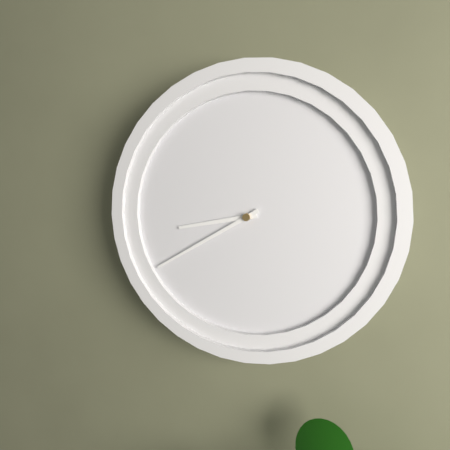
**8:40**
